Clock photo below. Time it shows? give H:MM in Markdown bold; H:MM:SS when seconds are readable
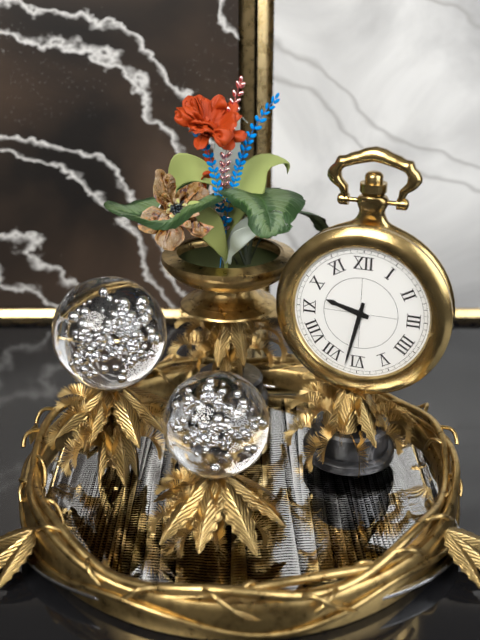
**9:32**
